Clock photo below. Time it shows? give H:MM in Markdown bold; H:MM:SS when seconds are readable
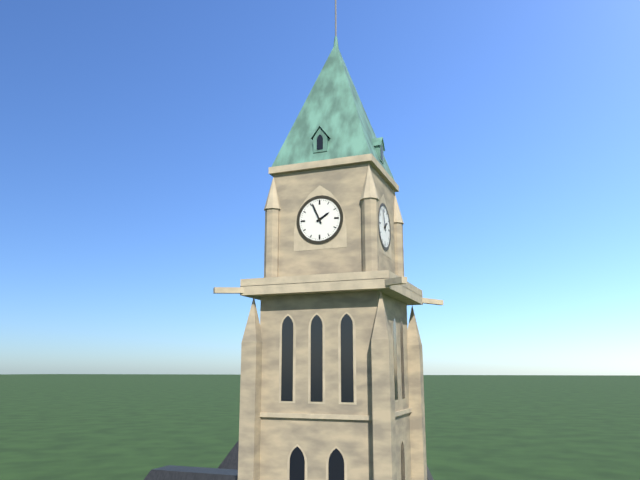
**1:56**
